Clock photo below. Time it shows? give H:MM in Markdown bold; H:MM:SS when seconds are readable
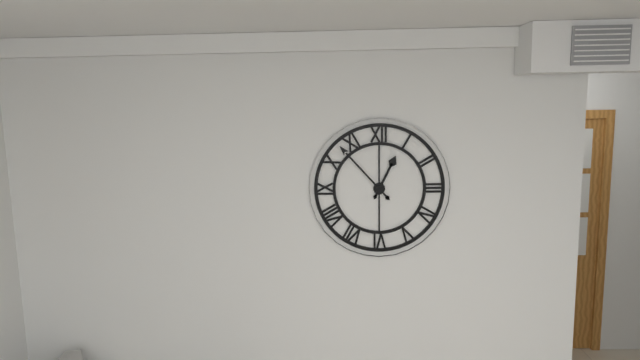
**12:53**
